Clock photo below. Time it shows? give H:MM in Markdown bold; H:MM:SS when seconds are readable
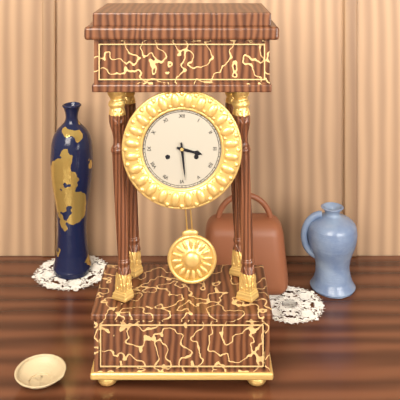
**3:29**
